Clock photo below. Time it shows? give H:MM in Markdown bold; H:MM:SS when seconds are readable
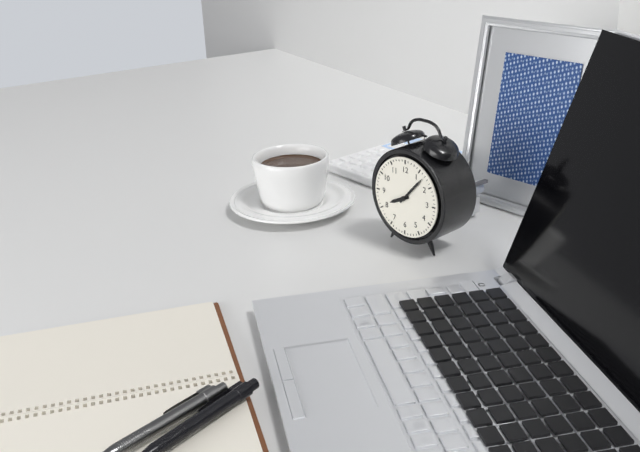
**8:07**
